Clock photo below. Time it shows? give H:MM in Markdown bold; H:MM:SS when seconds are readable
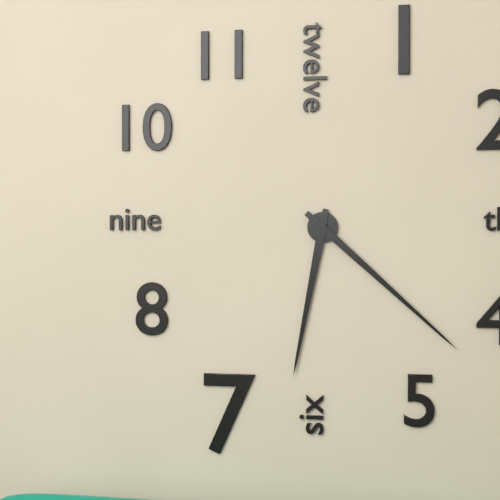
**6:22**
